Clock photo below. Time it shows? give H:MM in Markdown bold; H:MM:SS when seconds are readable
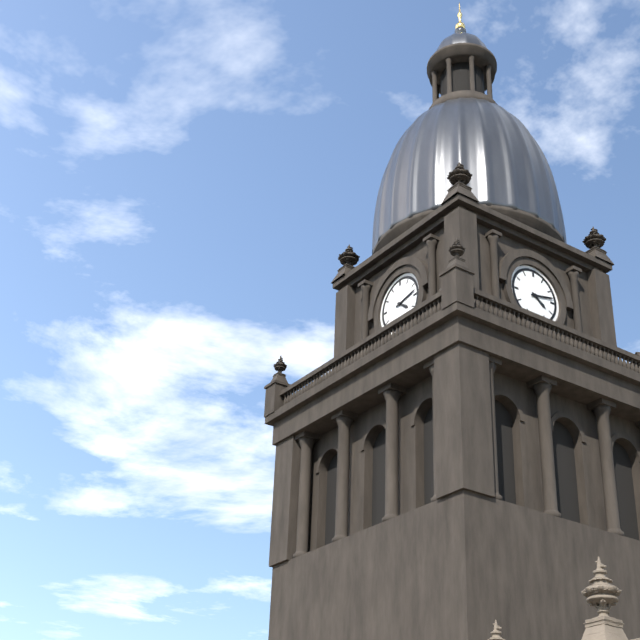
**4:13**
